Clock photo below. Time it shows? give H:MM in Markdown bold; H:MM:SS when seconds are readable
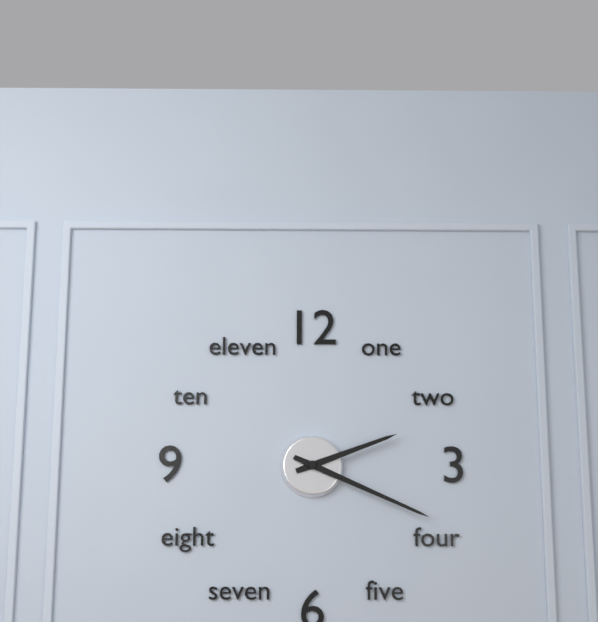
**2:19**
